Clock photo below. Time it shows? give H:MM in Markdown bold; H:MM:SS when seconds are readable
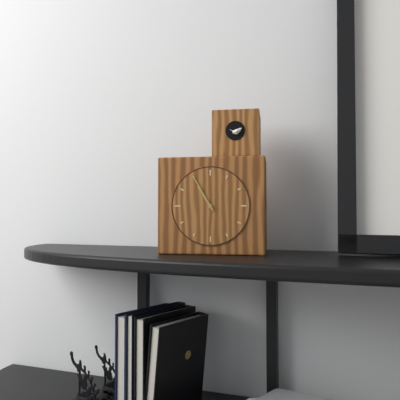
**10:55**
